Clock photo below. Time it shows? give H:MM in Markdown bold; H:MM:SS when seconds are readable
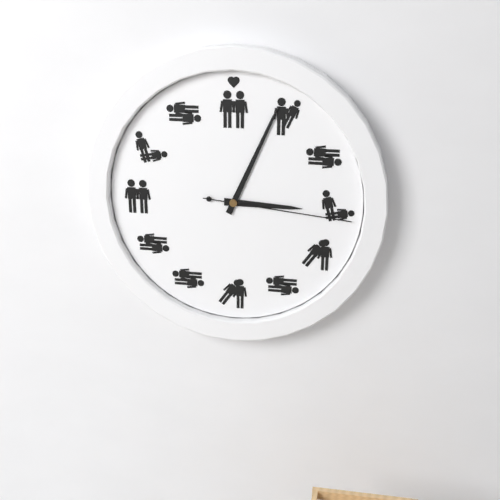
**3:04:16**
